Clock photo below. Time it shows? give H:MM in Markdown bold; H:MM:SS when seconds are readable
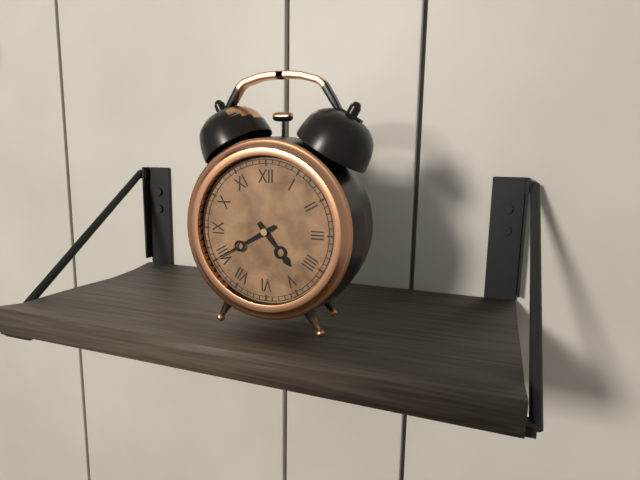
**4:40**
